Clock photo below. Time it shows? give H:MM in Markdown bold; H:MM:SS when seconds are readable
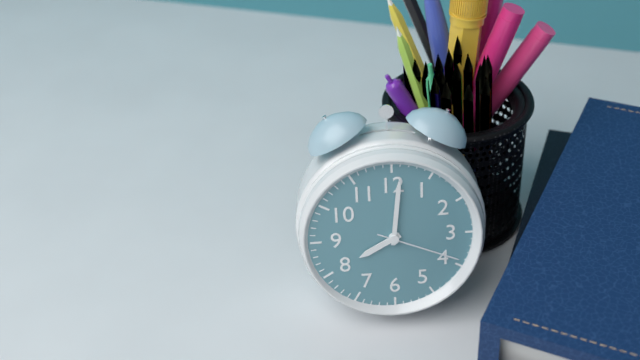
**8:01:19**
